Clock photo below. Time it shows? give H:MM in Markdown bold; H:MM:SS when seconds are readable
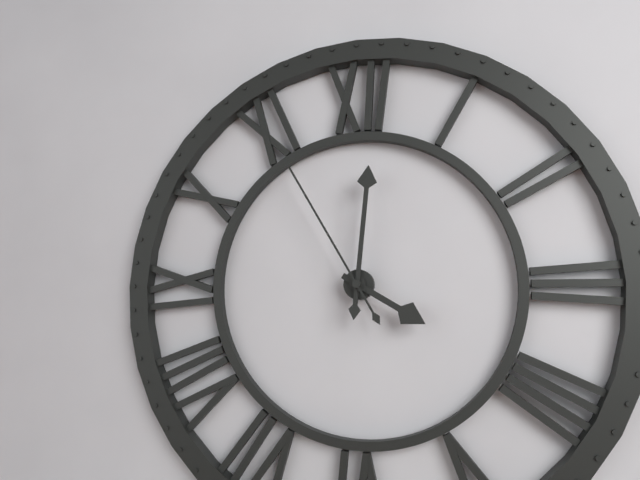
**4:01:55**
